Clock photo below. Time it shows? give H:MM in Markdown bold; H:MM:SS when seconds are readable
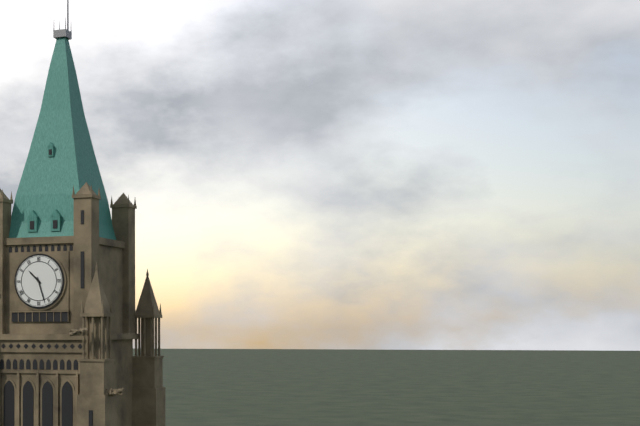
**10:27**
